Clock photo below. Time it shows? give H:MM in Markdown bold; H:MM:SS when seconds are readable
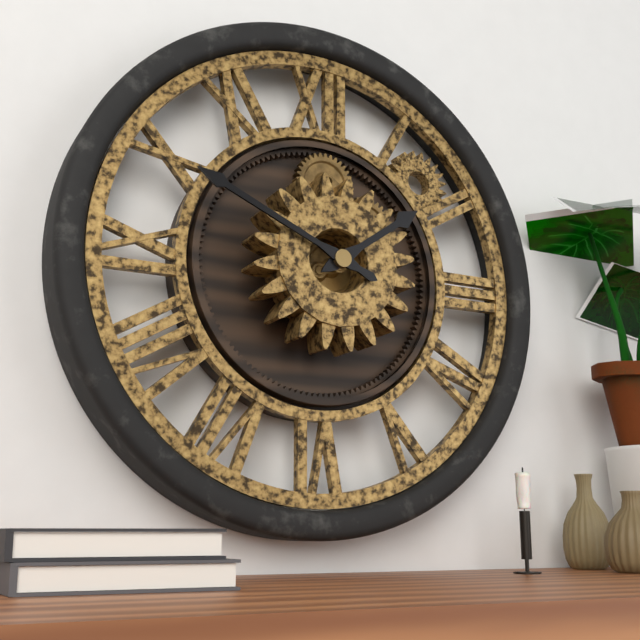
**1:49**
